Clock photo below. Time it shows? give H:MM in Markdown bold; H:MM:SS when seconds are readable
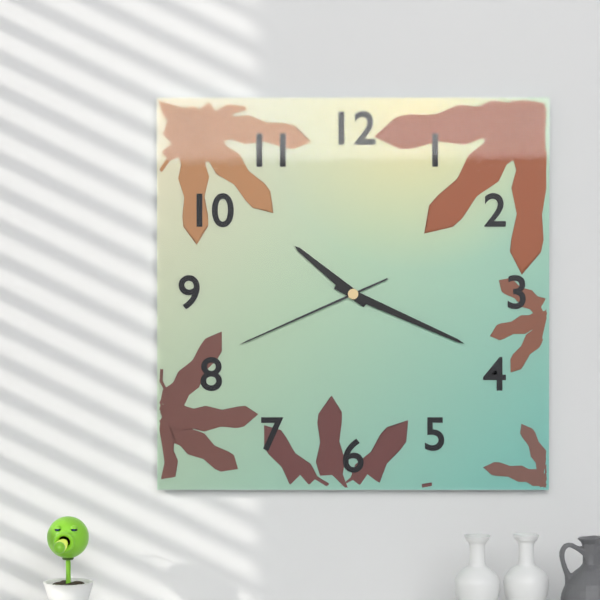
**10:19:41**
